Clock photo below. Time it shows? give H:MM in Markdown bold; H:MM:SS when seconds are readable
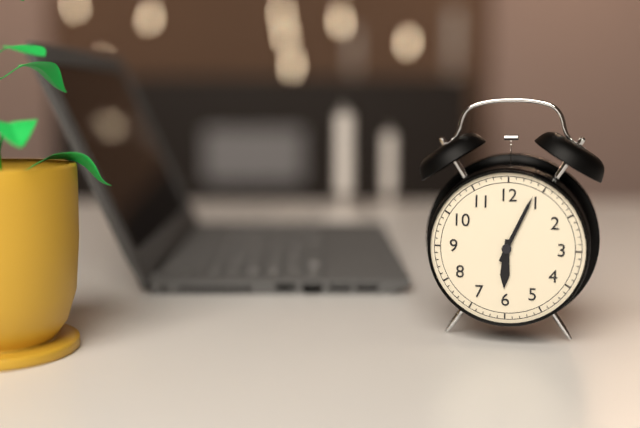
**6:04**
